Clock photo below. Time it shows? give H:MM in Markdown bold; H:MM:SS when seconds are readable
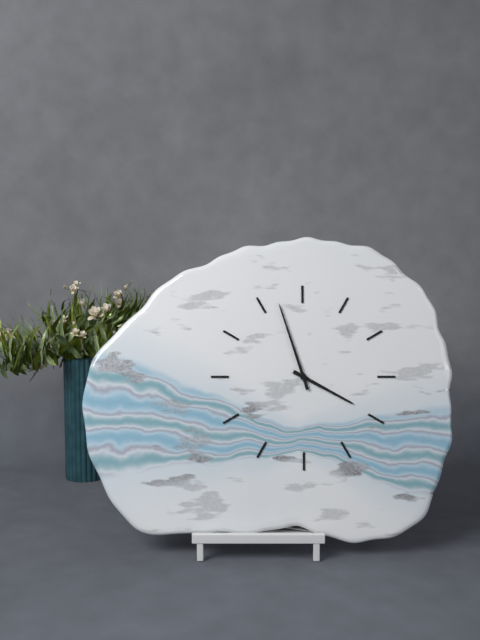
**3:57**
